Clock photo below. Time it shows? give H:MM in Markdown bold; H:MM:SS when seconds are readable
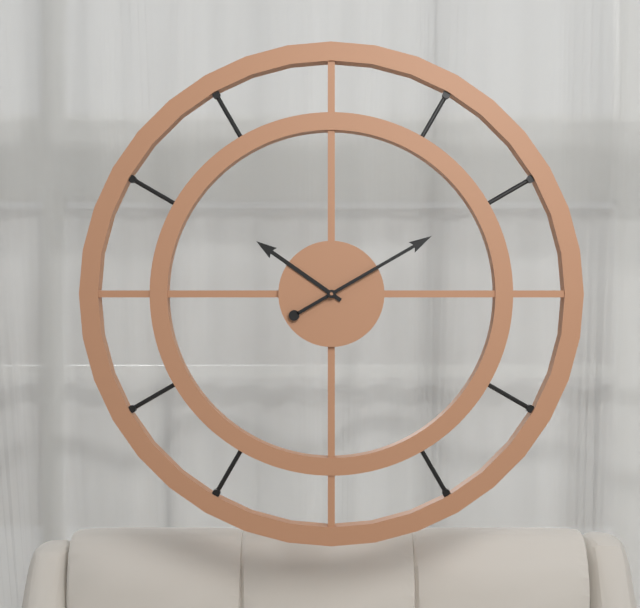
**10:10**
